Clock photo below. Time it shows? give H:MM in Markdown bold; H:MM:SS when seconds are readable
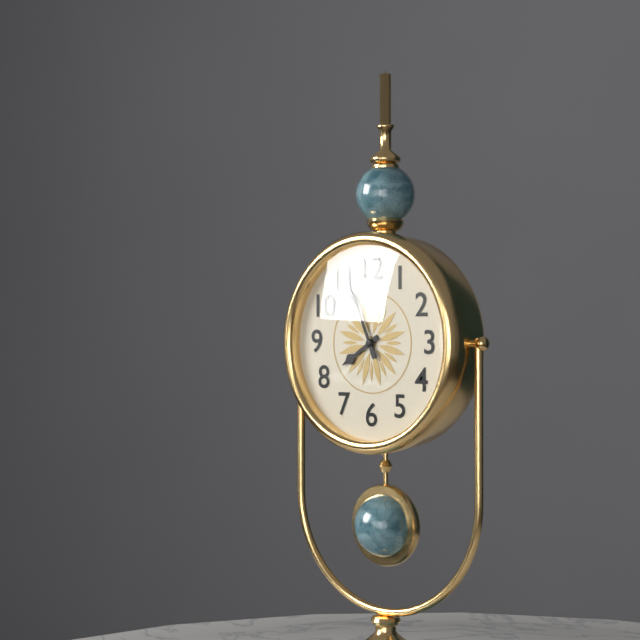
**7:56**
